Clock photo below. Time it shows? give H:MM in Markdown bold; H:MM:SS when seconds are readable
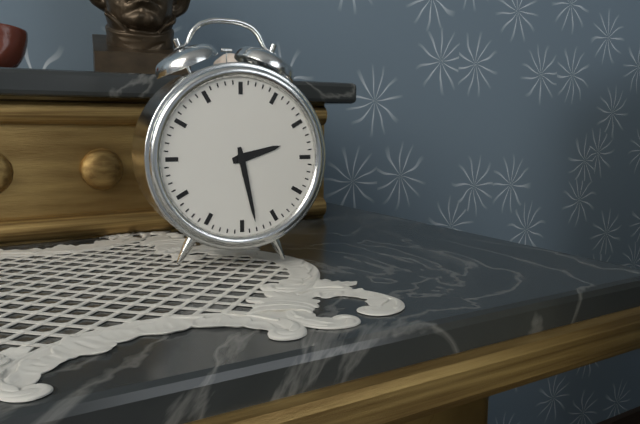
**2:28**
